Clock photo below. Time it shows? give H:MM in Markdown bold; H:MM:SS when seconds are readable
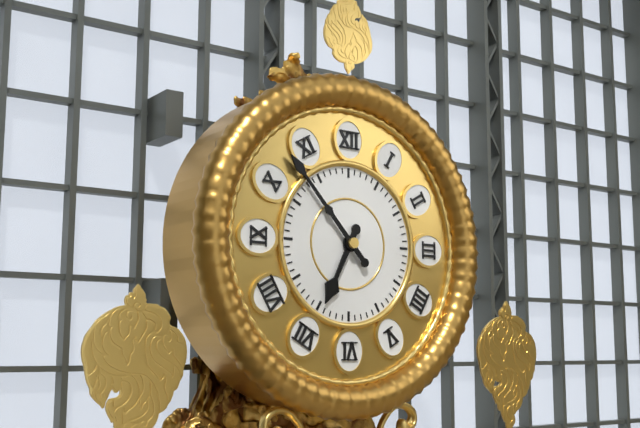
**6:53**
